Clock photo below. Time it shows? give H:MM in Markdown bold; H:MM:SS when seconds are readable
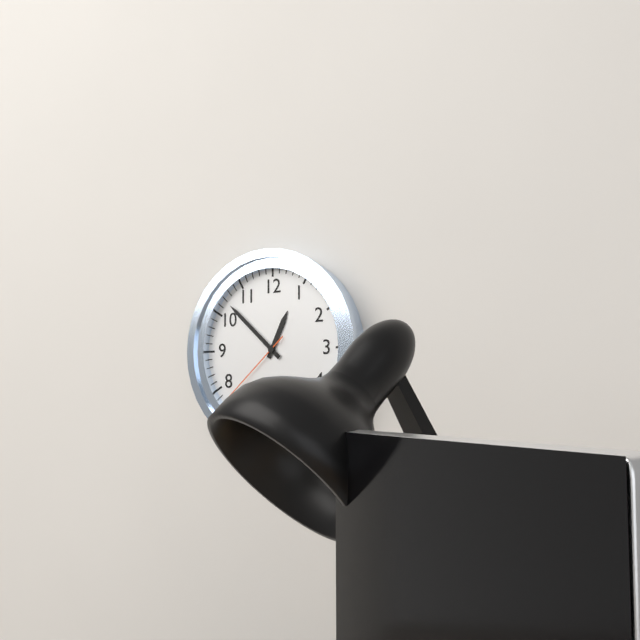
**12:52:38**
